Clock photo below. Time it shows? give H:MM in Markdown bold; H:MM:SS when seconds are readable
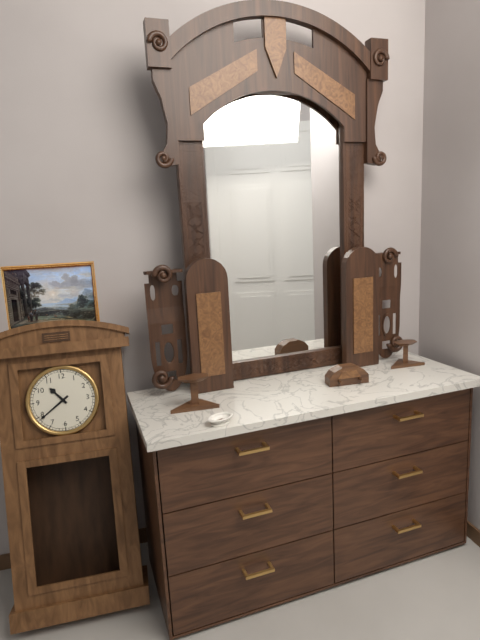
**10:39**
